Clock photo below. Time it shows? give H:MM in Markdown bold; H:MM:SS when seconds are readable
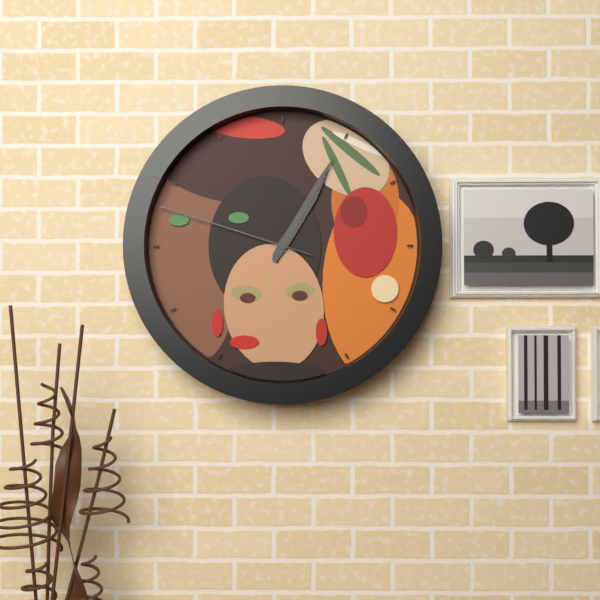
**1:05:48**
